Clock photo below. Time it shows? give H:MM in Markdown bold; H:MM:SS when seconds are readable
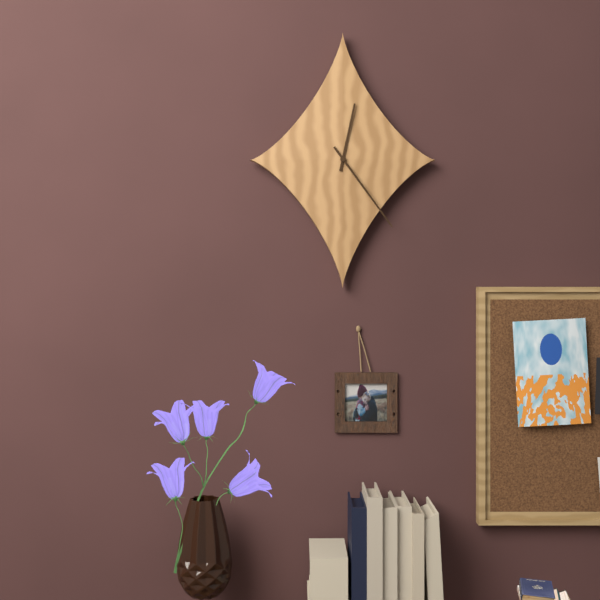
**12:24**
